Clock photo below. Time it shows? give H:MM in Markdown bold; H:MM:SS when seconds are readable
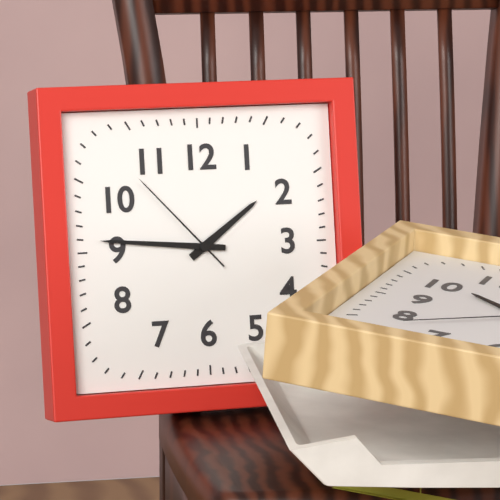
**1:46:53**
